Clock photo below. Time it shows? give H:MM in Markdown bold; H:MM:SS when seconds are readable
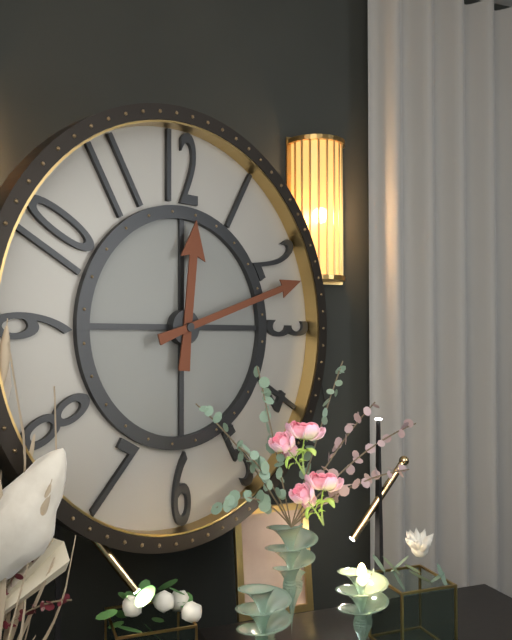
**12:12**
